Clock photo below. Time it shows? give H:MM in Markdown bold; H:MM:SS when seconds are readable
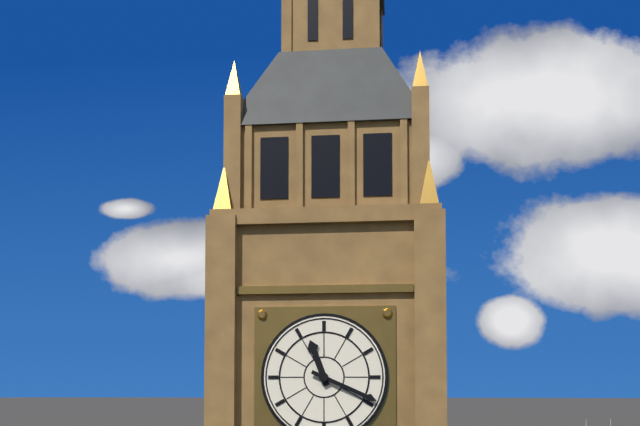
**11:19**
